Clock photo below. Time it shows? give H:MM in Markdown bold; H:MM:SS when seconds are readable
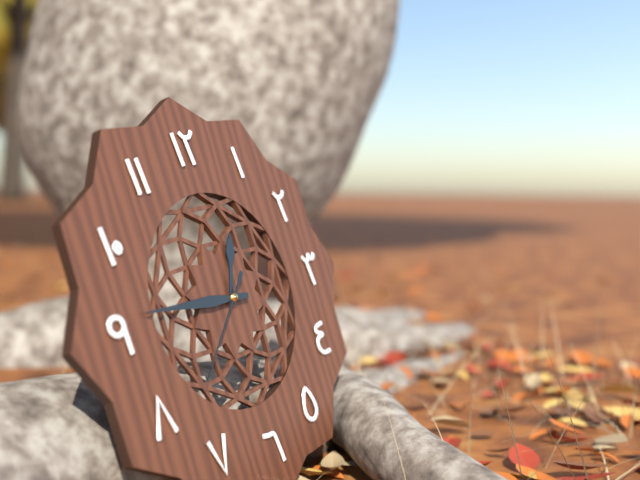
**12:46:38**
